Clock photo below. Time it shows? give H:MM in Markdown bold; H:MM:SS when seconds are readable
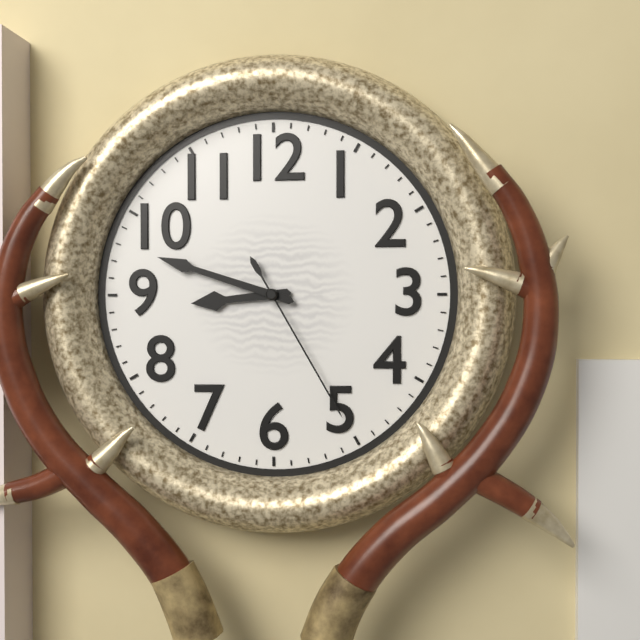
**8:48:25**
